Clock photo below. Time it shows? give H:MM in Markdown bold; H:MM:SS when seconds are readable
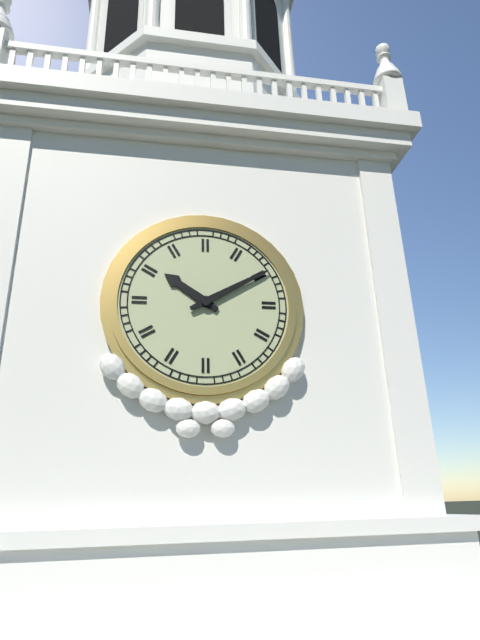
**10:10**
